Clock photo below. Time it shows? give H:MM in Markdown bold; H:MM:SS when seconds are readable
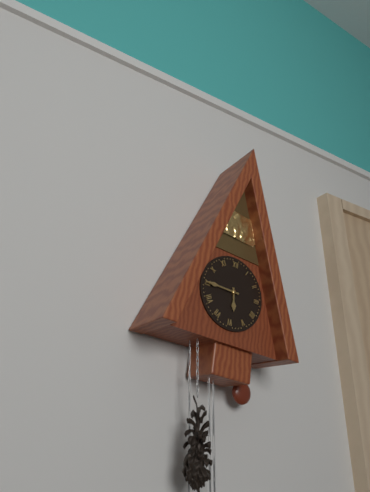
**5:45**
